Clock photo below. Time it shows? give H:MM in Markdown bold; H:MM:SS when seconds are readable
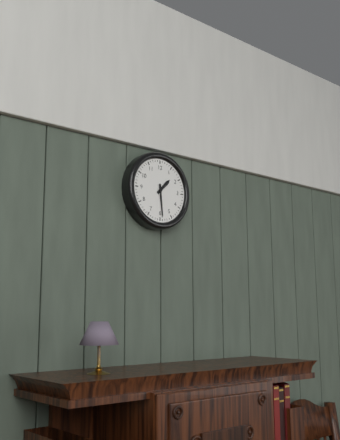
**1:29**
